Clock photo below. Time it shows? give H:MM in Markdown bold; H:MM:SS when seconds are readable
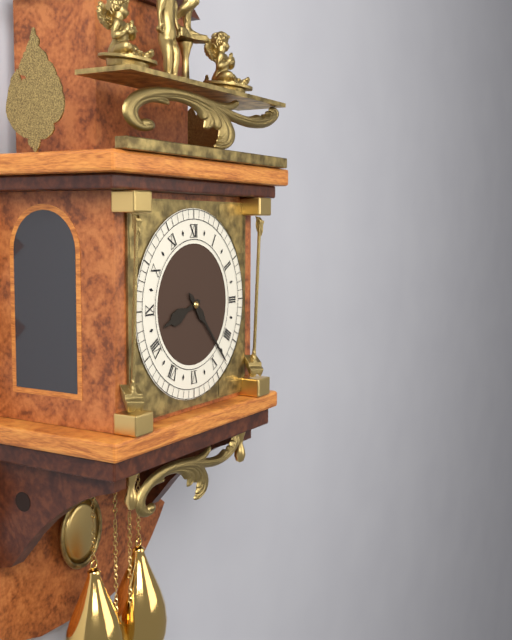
**8:23**
